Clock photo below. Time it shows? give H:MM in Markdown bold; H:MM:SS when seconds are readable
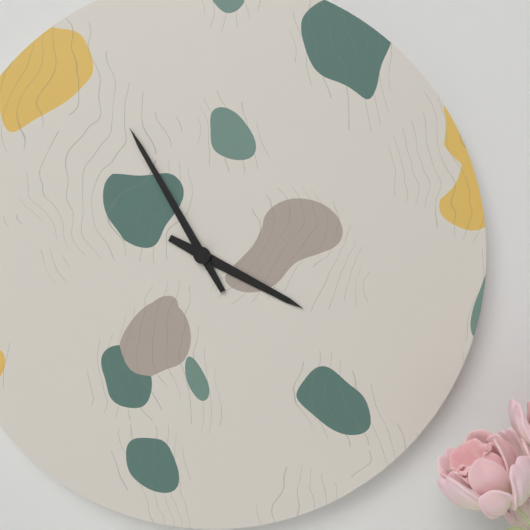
**3:55**
